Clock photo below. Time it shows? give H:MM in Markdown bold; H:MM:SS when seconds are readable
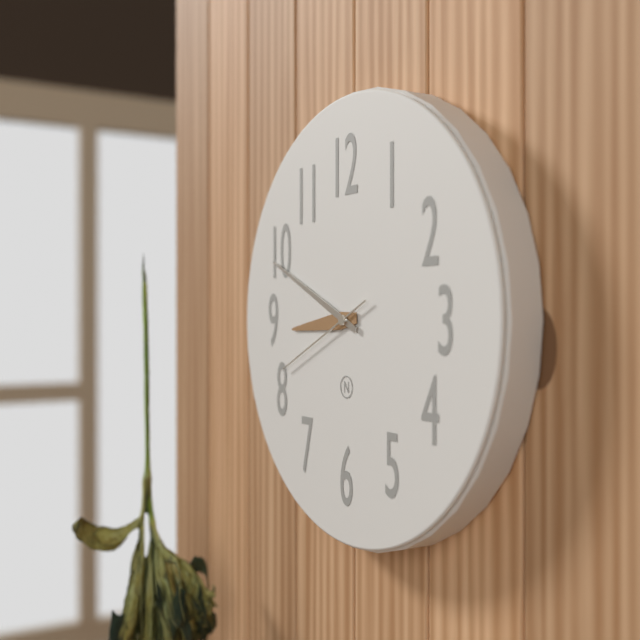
**8:49:41**
